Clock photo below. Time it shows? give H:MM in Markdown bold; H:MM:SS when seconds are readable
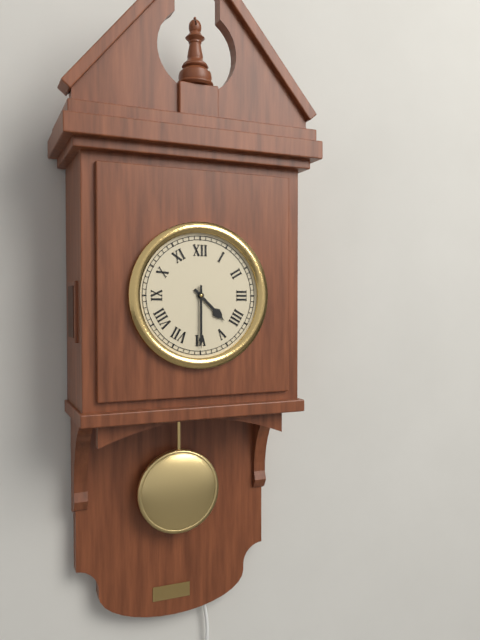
**4:30**
